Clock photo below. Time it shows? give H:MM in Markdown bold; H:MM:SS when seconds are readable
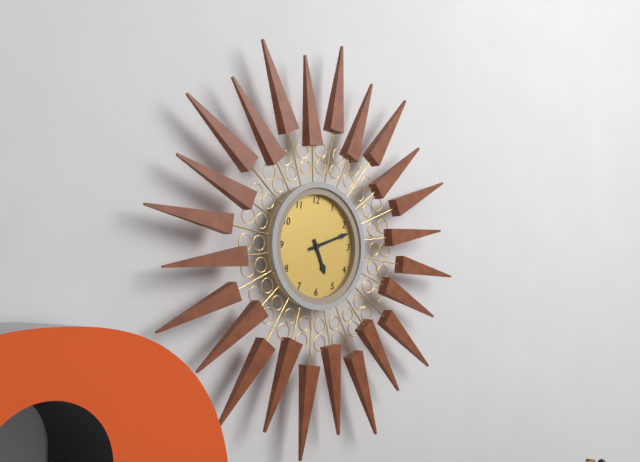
**5:12**
